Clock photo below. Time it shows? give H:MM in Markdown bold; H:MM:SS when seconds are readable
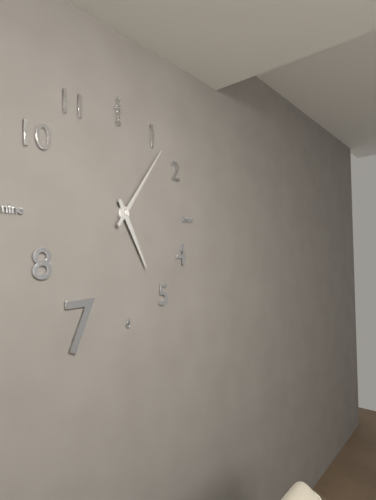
**5:06**
